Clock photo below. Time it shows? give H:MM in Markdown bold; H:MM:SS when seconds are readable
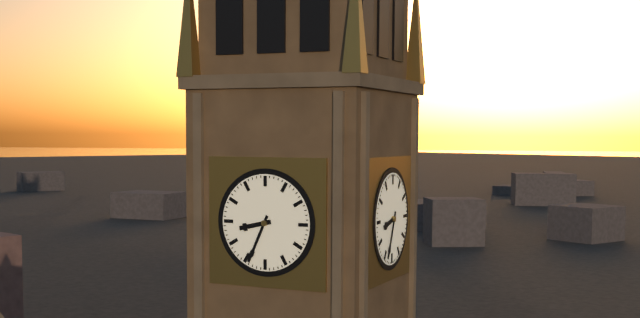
**8:34**
